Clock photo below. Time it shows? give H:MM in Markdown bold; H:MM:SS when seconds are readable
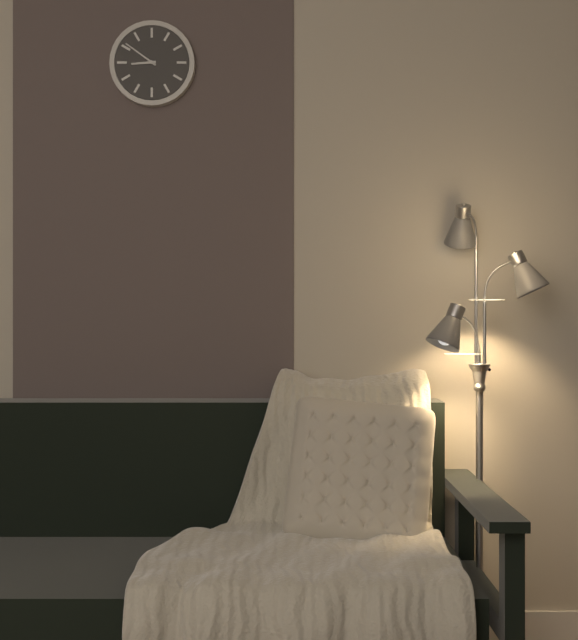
**8:51**
